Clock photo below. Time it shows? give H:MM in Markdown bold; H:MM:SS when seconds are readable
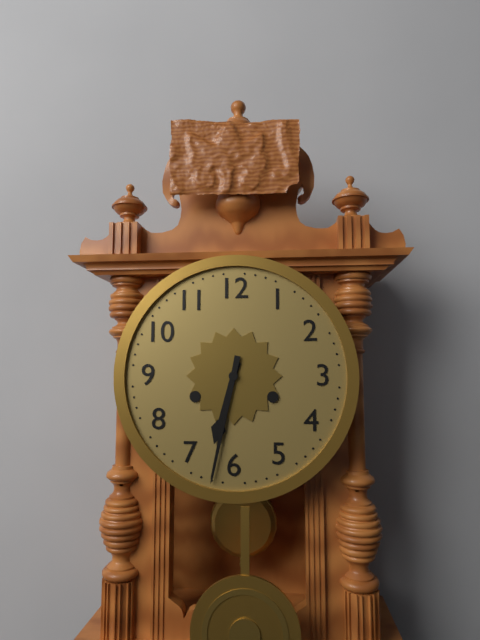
**6:32**
